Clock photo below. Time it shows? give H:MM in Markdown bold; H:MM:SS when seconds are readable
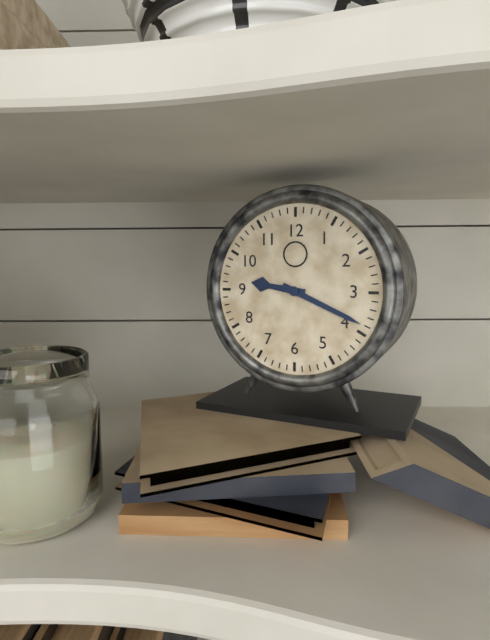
**9:19**
